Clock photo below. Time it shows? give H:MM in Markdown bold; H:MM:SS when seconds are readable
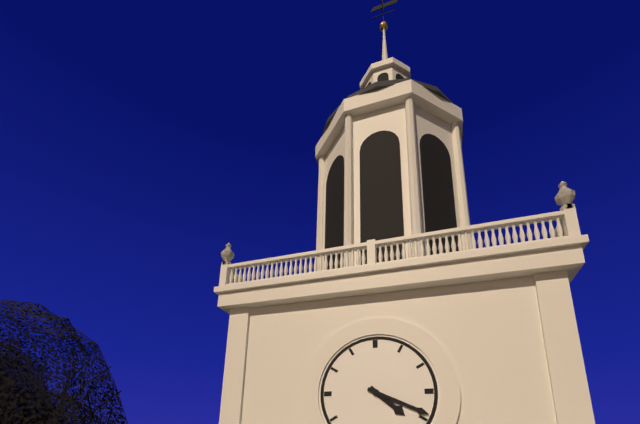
**4:19**
